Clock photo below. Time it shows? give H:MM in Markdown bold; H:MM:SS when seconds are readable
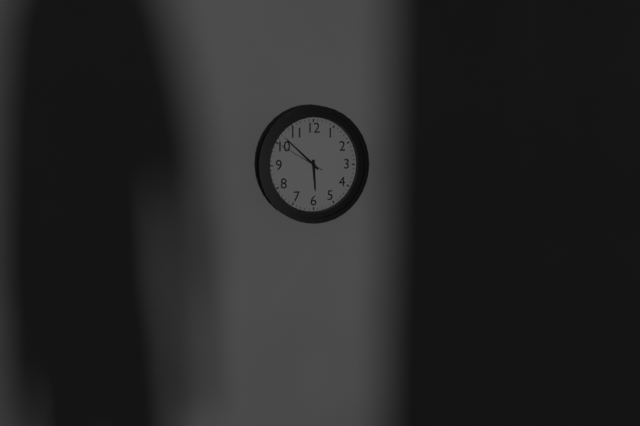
**5:52:50**
